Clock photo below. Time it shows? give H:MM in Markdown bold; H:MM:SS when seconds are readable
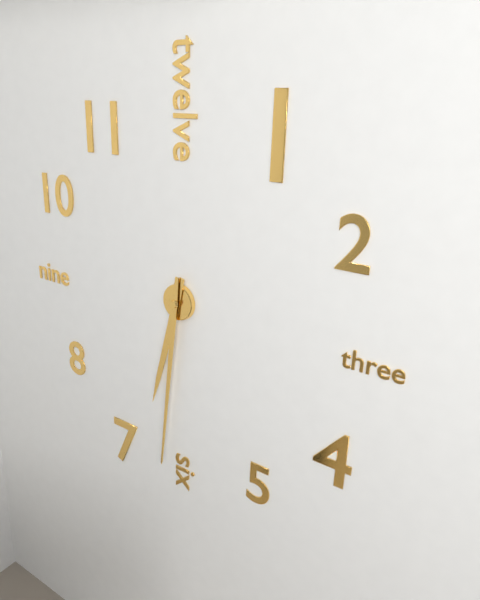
**6:31**
